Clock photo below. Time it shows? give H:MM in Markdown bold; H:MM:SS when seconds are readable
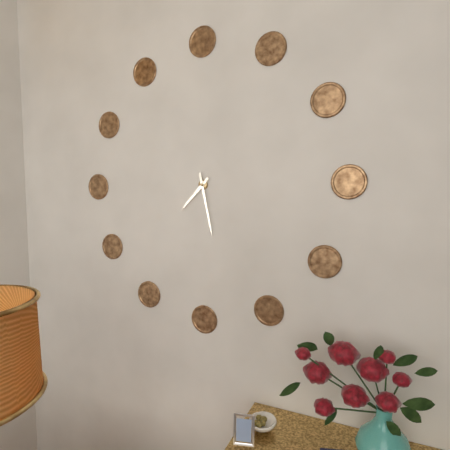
**7:28**
